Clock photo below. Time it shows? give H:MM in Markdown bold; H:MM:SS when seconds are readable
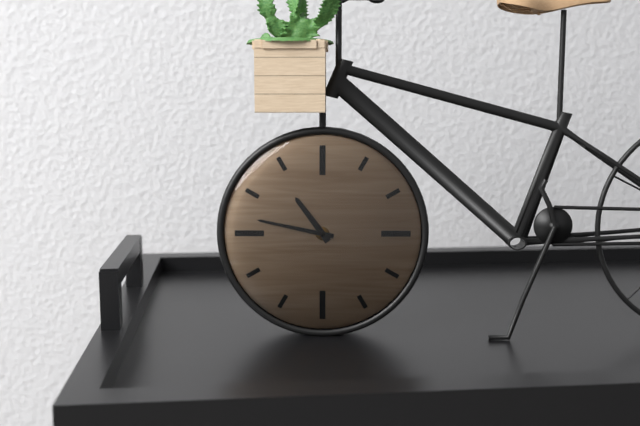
**10:47**
